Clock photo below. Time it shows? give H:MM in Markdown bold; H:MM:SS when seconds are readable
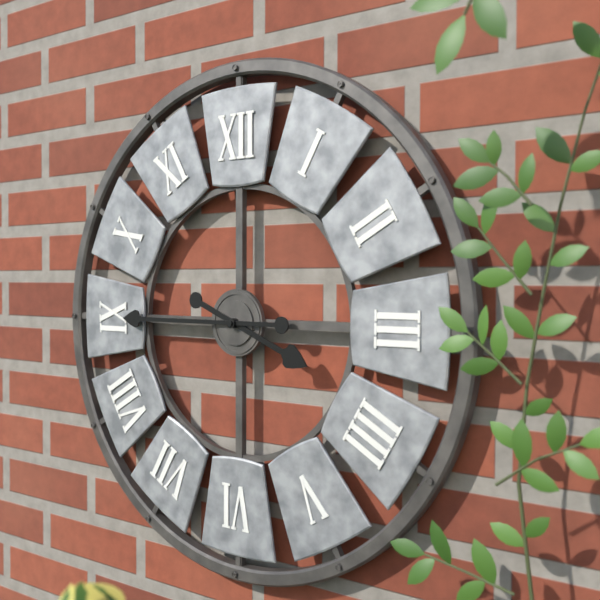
**3:45**
